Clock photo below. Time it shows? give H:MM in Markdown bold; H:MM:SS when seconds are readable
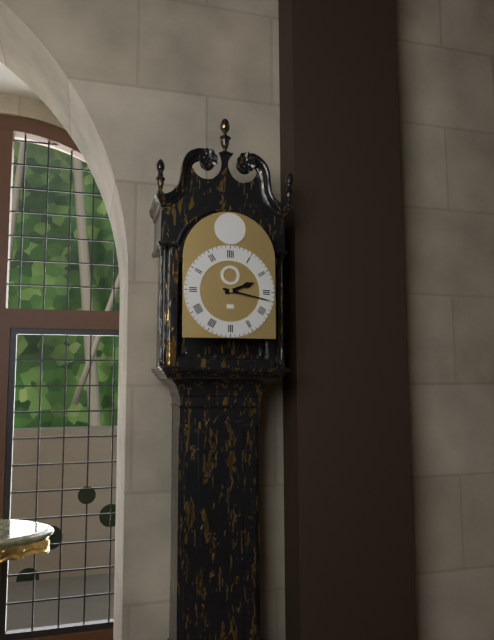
**2:17**
